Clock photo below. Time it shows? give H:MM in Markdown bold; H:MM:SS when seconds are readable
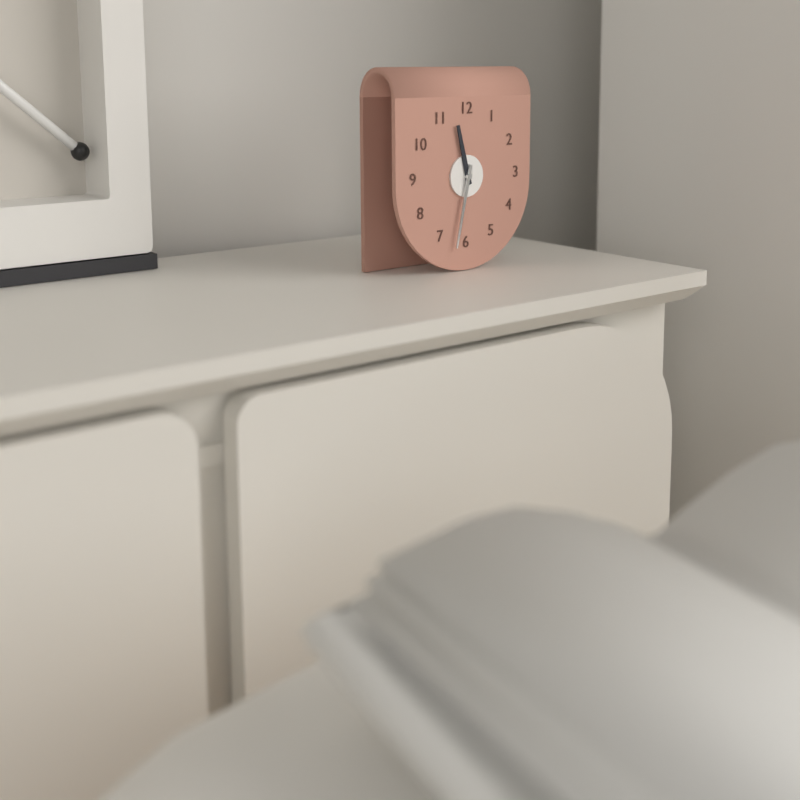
**11:32**
